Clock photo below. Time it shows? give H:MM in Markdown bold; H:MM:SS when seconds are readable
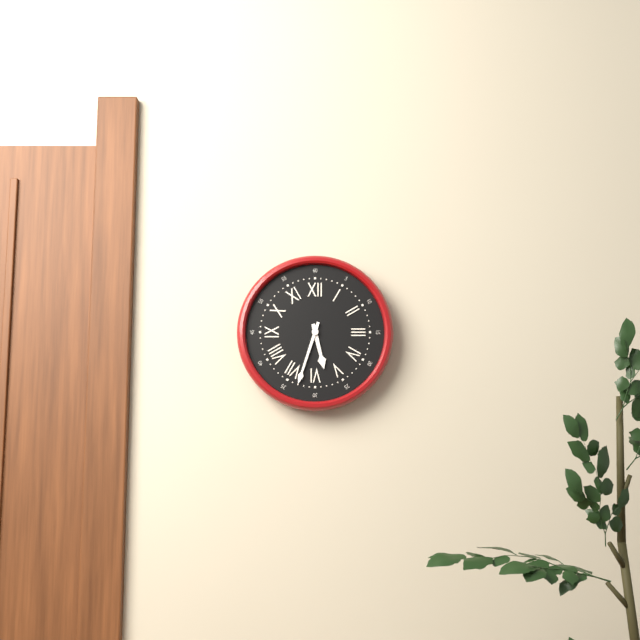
**5:33**
